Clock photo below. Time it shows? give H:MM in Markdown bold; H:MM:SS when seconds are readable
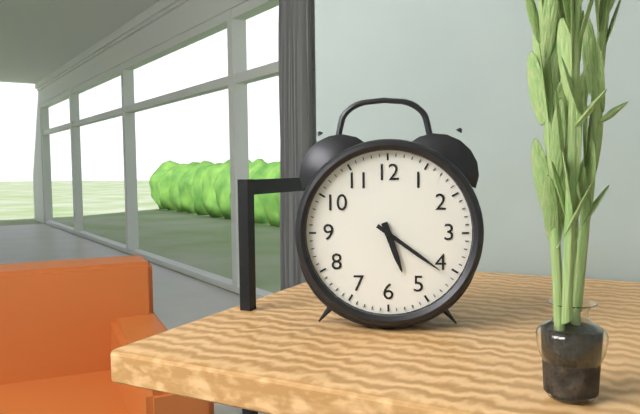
**5:21**
